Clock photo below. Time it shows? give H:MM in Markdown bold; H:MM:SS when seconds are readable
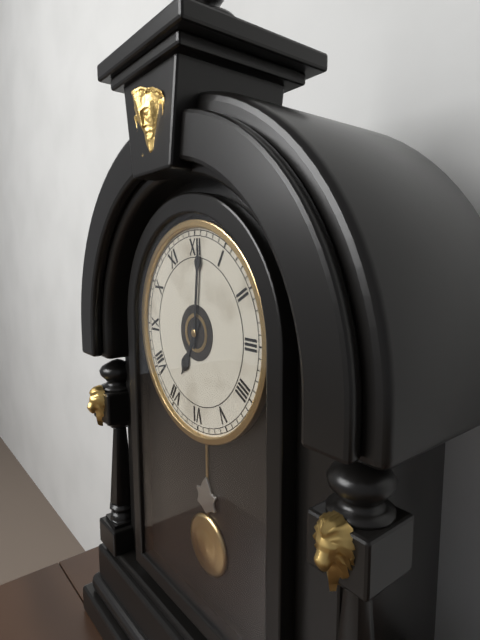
**7:01**
